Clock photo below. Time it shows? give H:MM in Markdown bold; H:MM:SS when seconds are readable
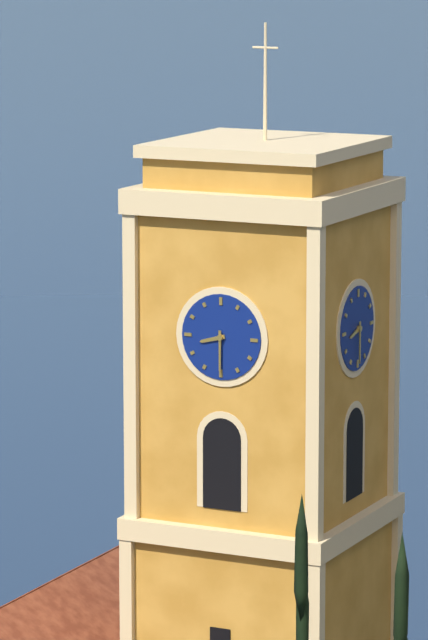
**8:30**
